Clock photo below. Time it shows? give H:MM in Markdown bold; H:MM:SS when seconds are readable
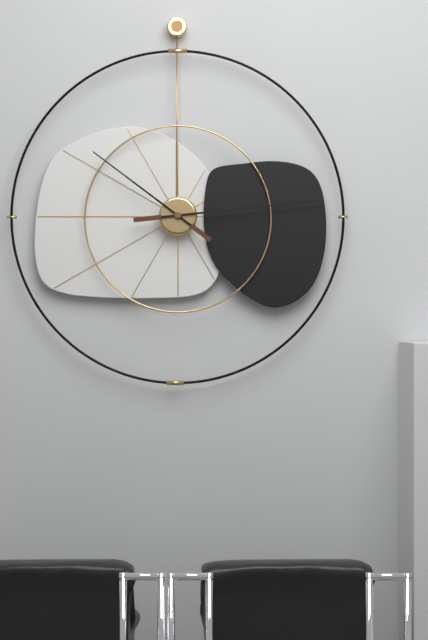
**10:14**
